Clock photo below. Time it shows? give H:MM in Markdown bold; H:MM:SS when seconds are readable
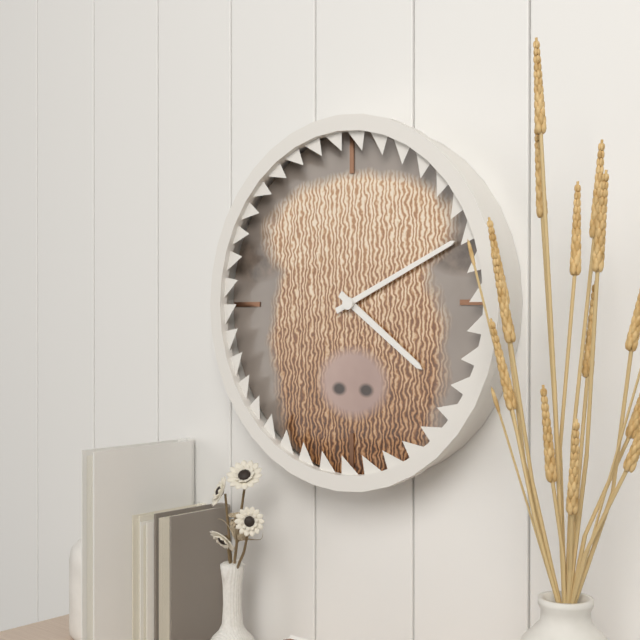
**4:11**
